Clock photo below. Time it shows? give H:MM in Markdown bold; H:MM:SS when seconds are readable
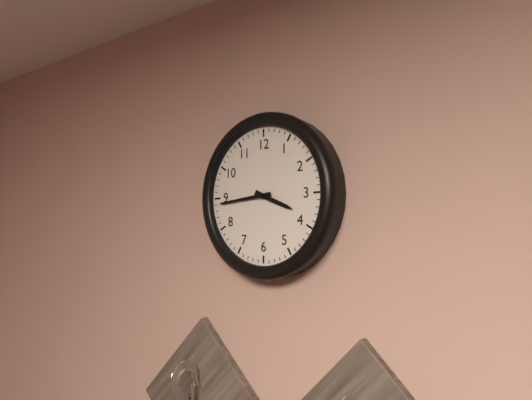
**3:44**
